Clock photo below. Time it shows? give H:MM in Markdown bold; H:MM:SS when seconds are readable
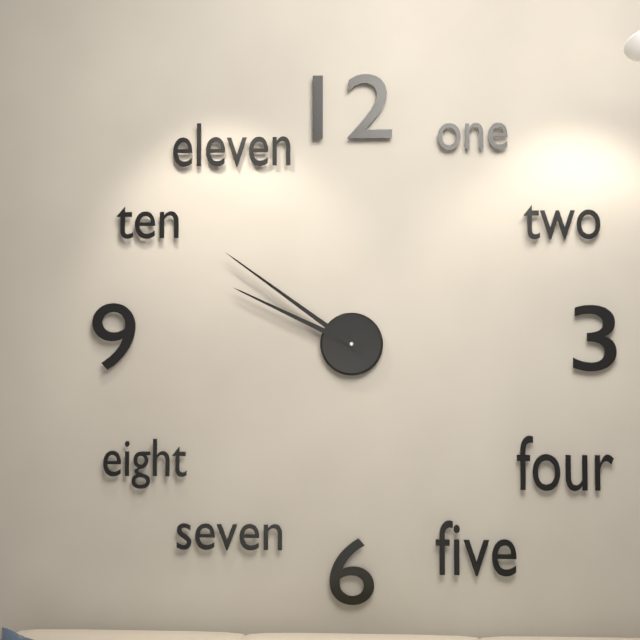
**9:51**
